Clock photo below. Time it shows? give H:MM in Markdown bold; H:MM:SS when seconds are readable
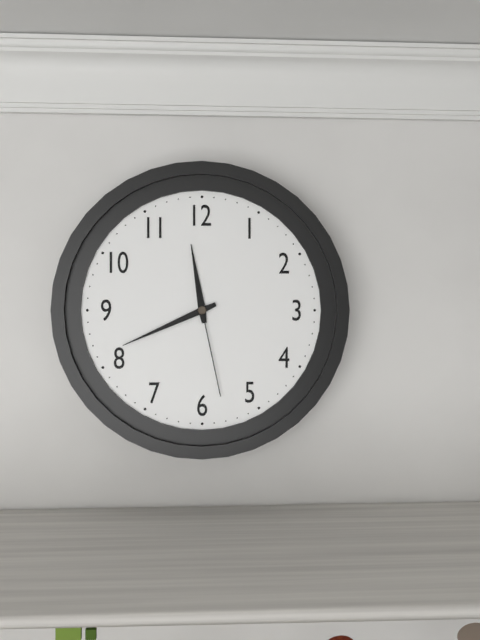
**11:41:28**
